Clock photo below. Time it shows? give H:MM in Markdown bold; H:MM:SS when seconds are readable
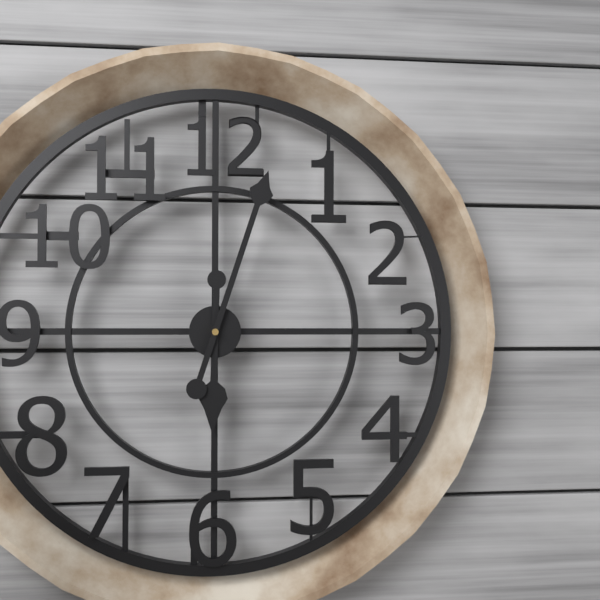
**6:03**
